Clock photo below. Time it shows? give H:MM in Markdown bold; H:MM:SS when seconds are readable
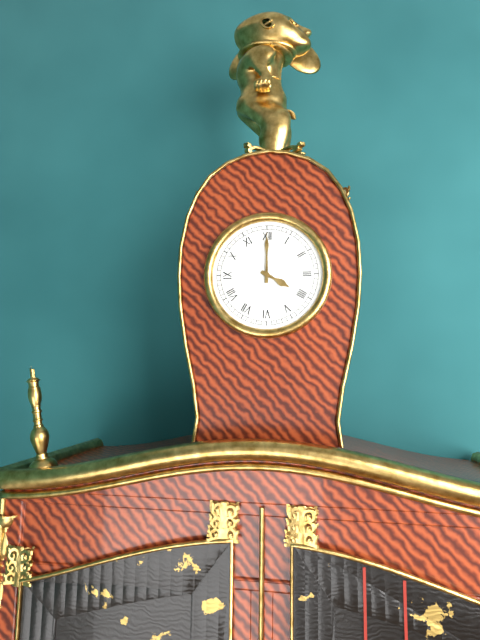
**4:00**
